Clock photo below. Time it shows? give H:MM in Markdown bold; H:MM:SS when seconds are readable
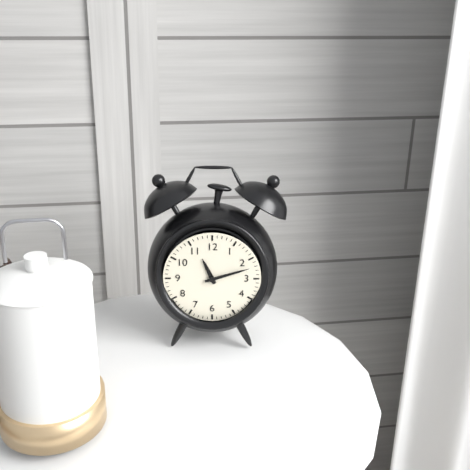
**11:12**
